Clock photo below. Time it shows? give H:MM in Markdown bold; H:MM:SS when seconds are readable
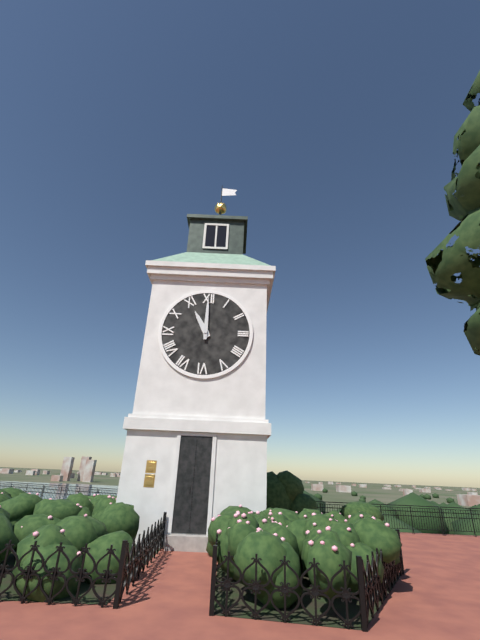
**11:00**
